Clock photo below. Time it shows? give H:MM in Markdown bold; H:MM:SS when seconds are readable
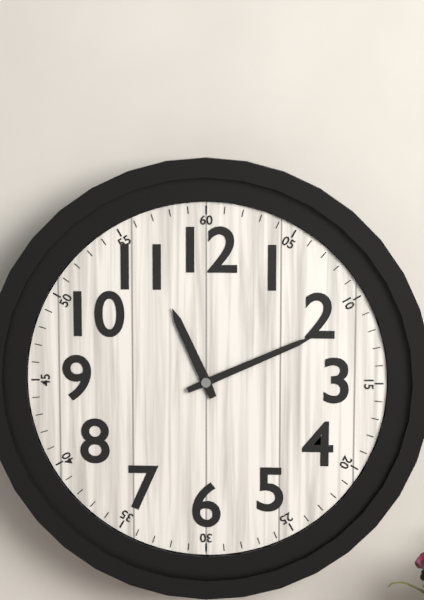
**11:11**
